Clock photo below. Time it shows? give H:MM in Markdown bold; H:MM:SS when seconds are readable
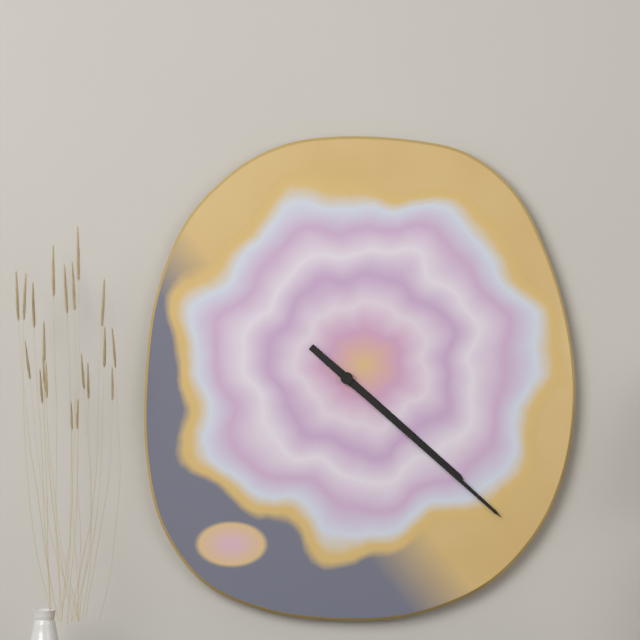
**4:22**
